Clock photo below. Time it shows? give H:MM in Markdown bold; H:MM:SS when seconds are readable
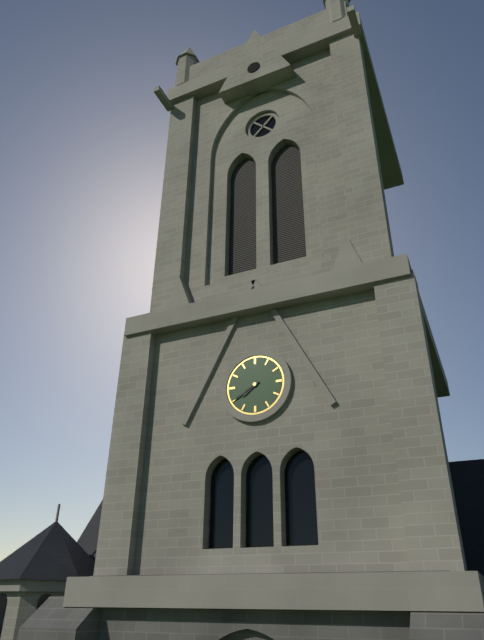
**7:40**
